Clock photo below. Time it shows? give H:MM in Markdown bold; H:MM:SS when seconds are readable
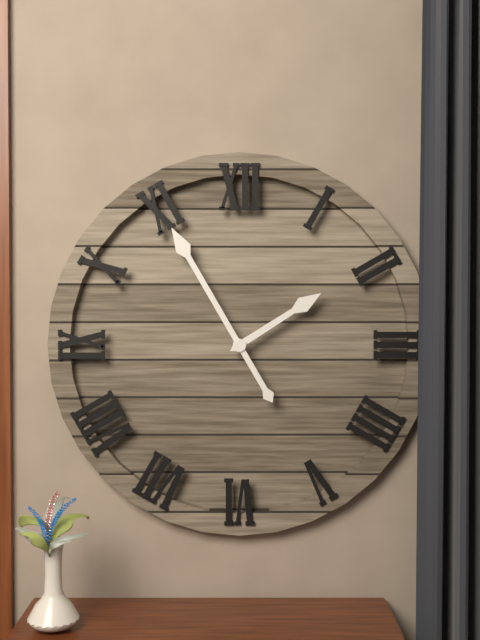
**1:55**
